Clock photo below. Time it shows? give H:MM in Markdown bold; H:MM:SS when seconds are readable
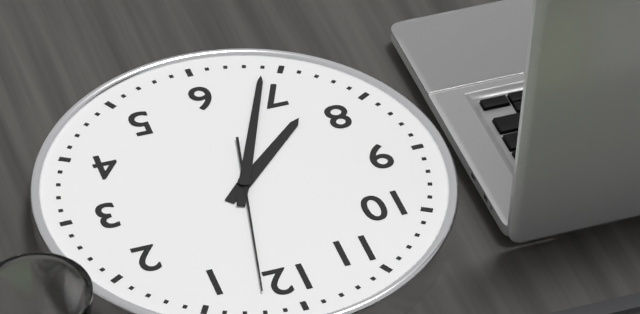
**7:34:02**
